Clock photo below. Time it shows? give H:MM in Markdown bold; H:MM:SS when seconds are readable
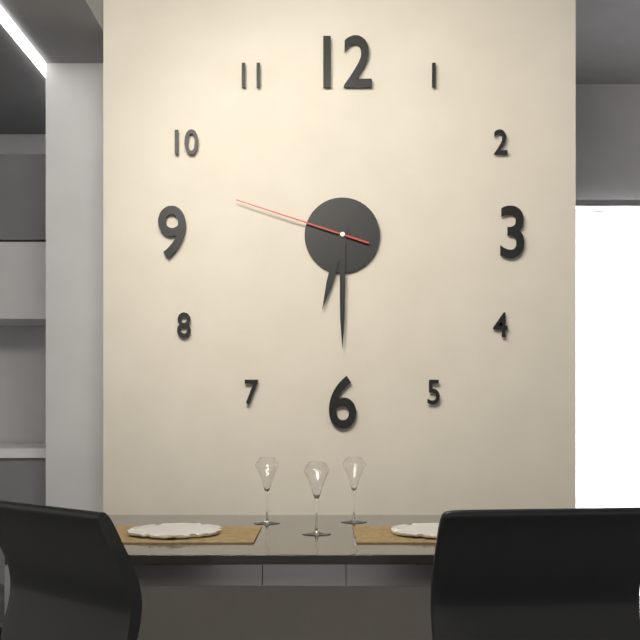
**6:30:48**
